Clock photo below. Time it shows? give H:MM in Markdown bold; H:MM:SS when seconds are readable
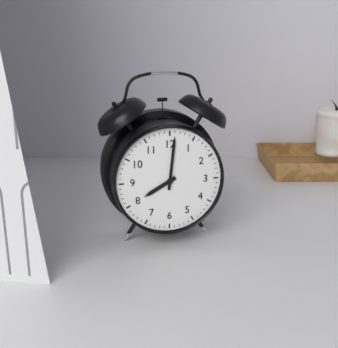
**8:01**
